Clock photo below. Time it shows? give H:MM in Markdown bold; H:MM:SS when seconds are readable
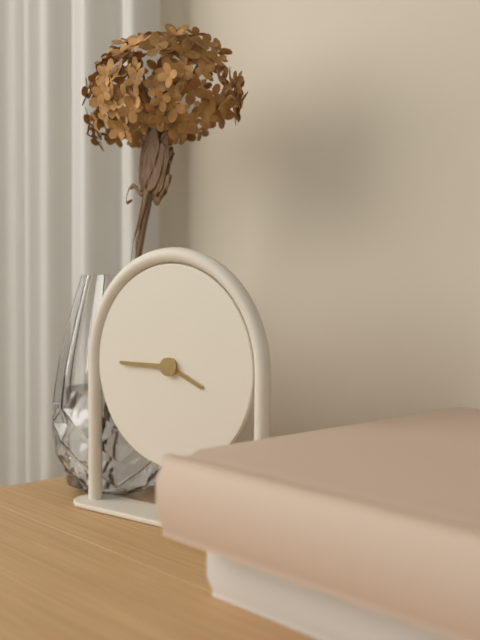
**3:45**
